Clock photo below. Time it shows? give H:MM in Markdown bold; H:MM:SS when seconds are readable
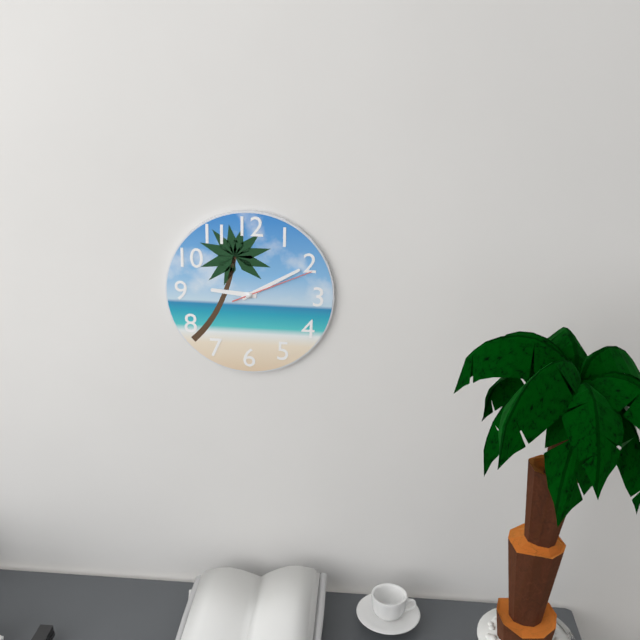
**9:10:11**
